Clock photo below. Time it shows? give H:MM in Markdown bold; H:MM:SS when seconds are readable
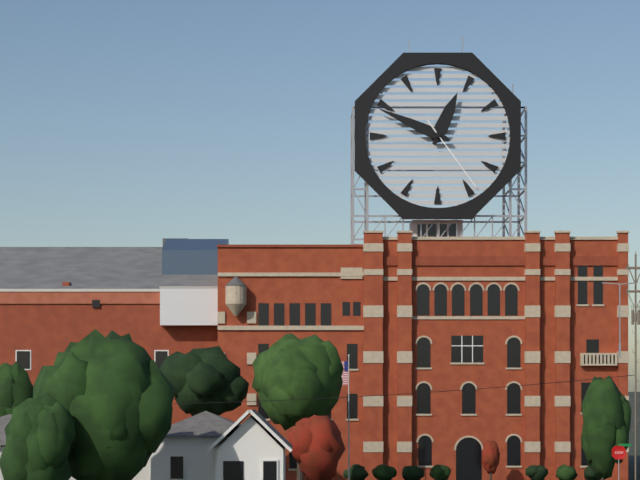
**12:49:24**
